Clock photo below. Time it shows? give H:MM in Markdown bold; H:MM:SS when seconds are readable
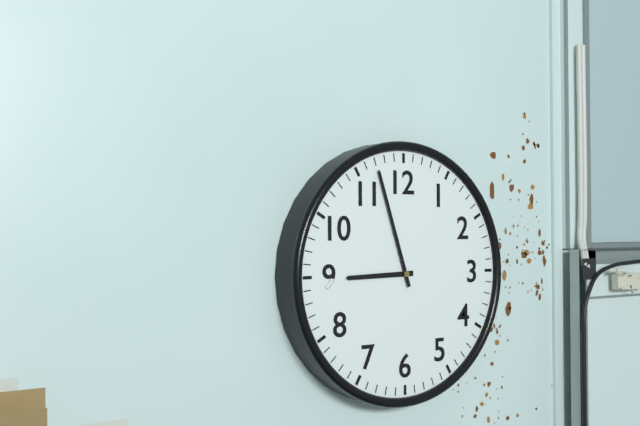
**8:57**
